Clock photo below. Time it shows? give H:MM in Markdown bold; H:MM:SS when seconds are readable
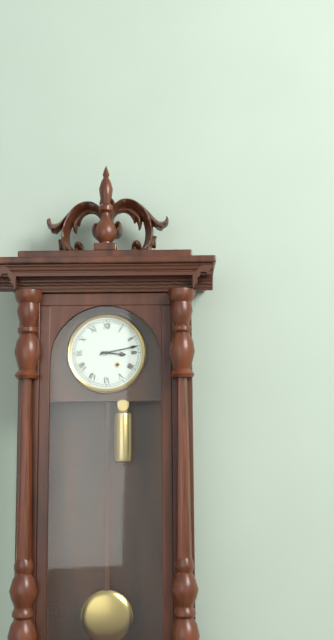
**3:13**
